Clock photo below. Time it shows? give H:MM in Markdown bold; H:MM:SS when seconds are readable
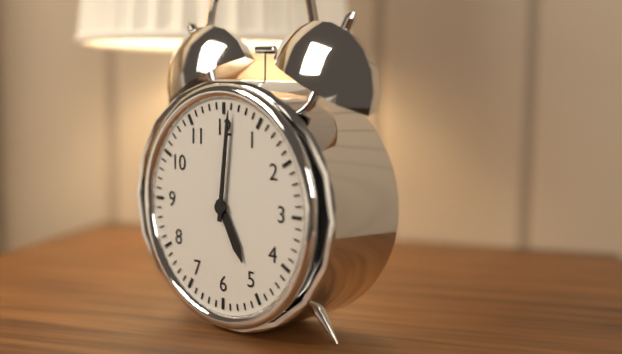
**5:01**
